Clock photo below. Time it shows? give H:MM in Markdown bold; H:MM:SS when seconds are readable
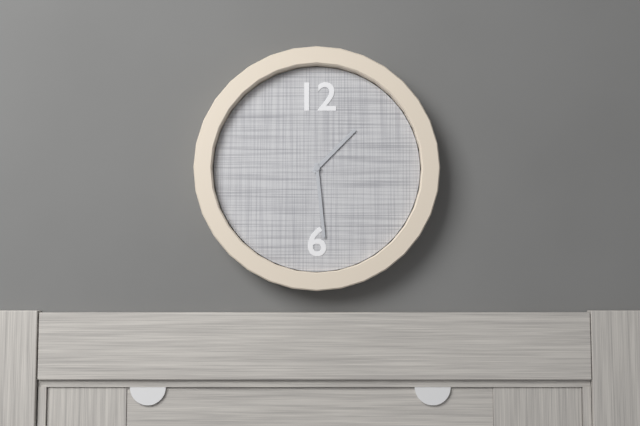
**1:29**
